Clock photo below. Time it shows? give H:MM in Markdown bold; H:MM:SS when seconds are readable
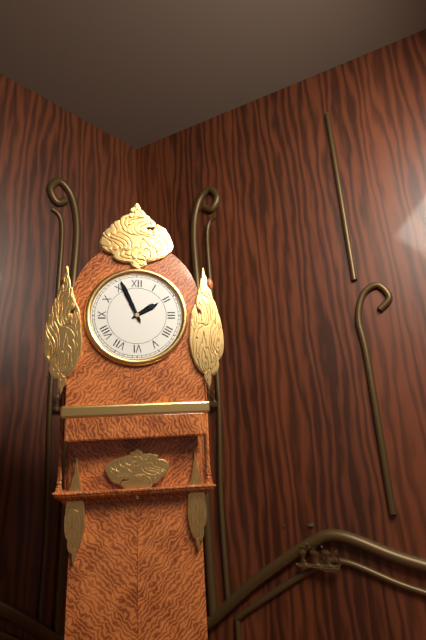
**1:56**
